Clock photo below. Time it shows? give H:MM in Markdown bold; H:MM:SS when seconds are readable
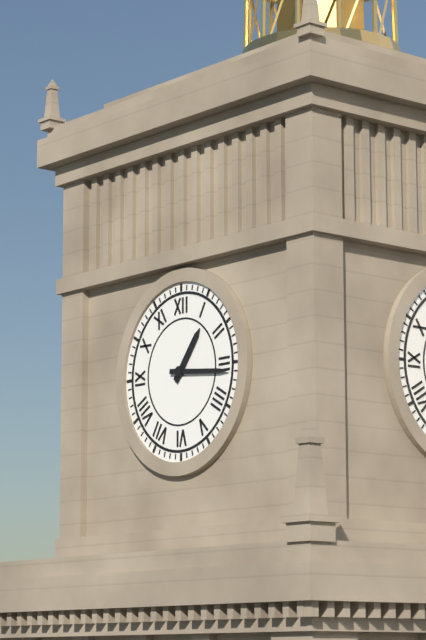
**1:16**
